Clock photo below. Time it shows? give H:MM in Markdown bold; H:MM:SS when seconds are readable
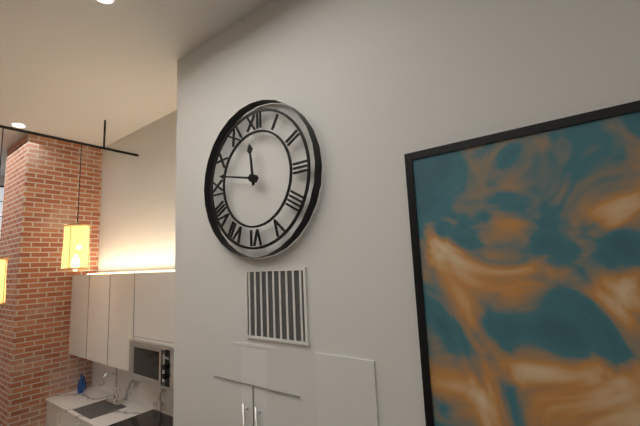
**11:47**
